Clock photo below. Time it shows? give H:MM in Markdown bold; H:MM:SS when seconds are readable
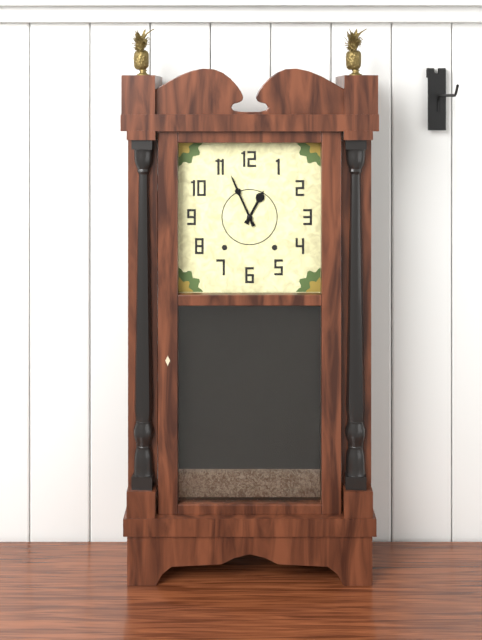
**12:56**
